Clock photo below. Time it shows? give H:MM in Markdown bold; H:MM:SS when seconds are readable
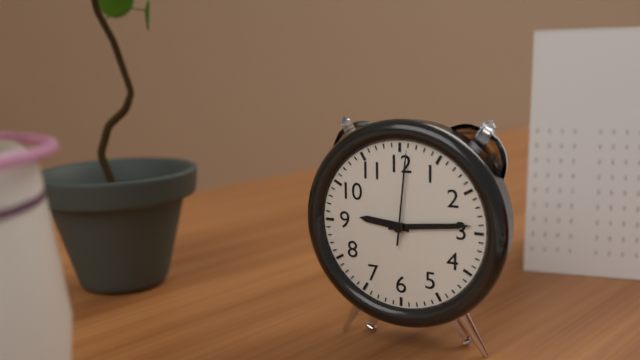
**9:14:01**
